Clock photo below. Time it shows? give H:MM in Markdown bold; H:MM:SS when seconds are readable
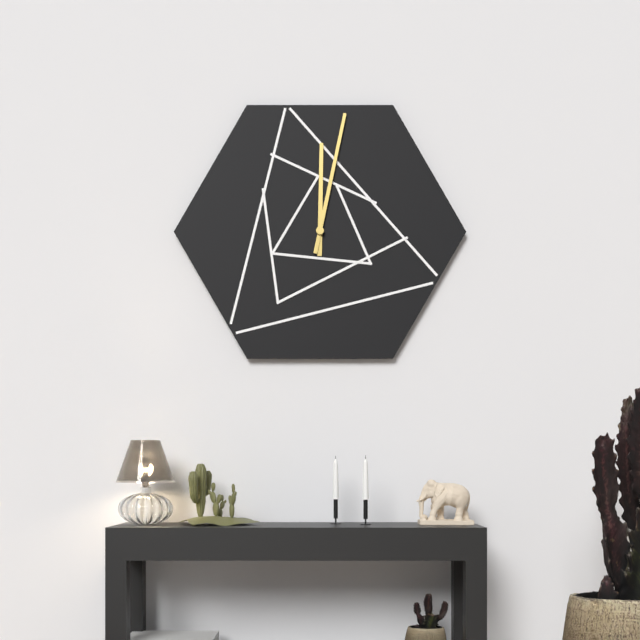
**12:02**
